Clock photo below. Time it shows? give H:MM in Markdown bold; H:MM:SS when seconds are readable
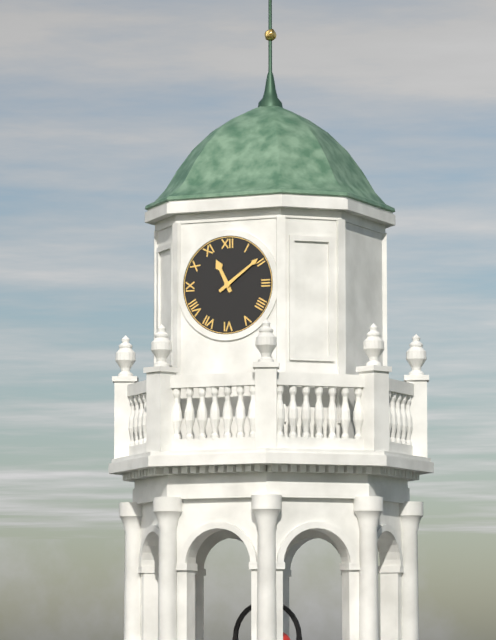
**11:09**
